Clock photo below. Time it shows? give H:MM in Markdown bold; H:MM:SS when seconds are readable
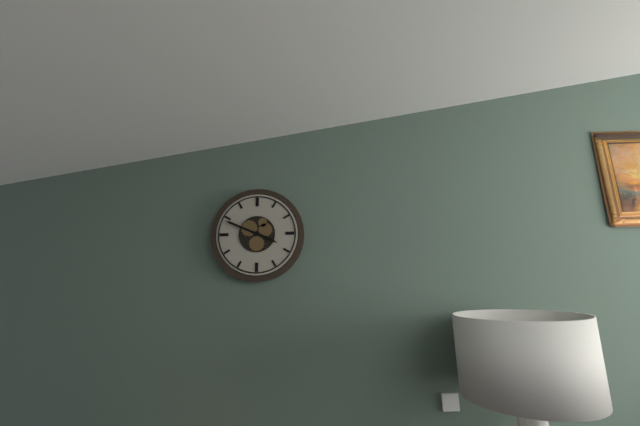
**3:49**
